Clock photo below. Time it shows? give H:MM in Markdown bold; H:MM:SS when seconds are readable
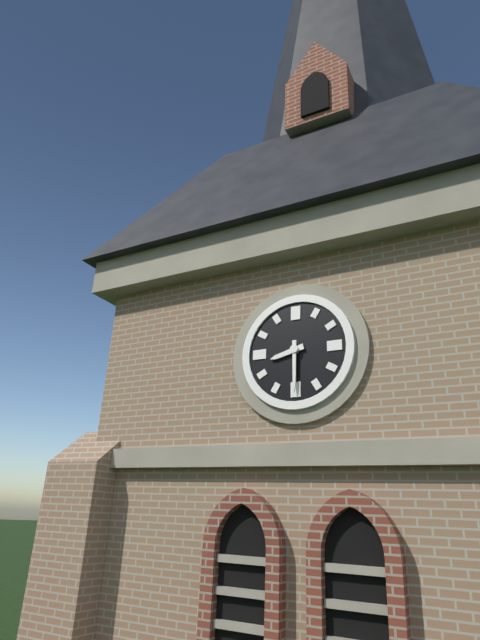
**8:30**
